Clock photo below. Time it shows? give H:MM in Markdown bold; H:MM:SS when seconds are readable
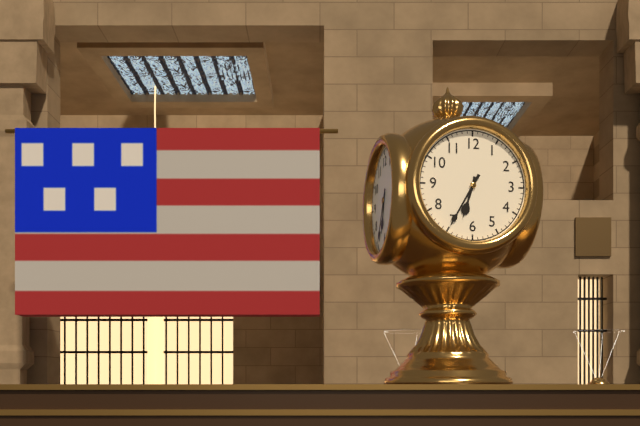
**6:35**
